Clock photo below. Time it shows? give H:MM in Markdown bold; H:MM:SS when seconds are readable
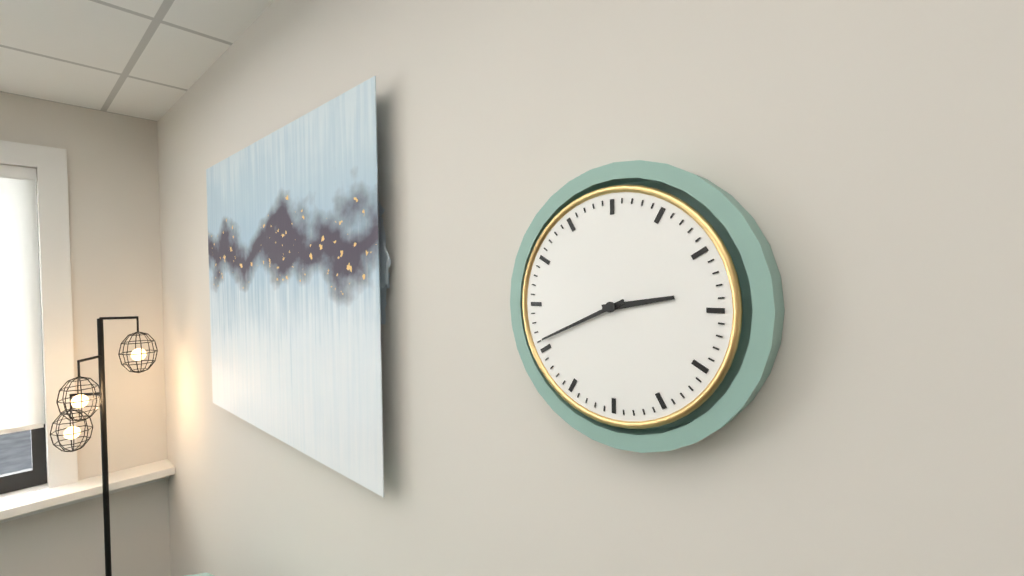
**2:41**
